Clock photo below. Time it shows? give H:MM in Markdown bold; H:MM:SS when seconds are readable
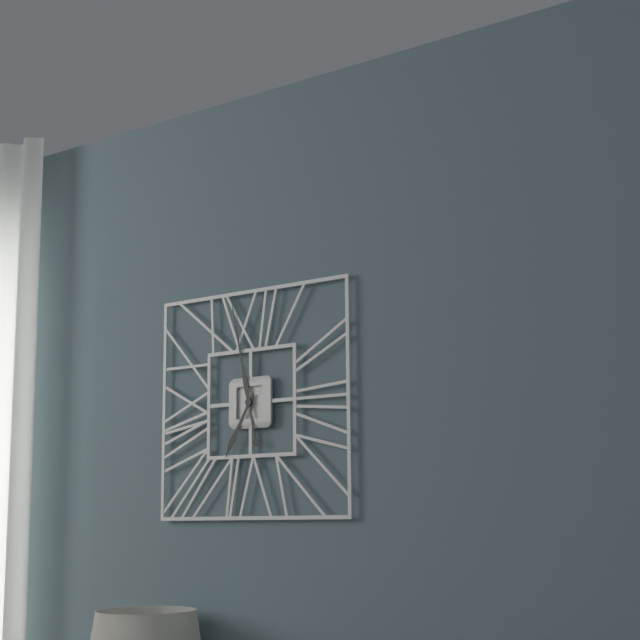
**6:58**
